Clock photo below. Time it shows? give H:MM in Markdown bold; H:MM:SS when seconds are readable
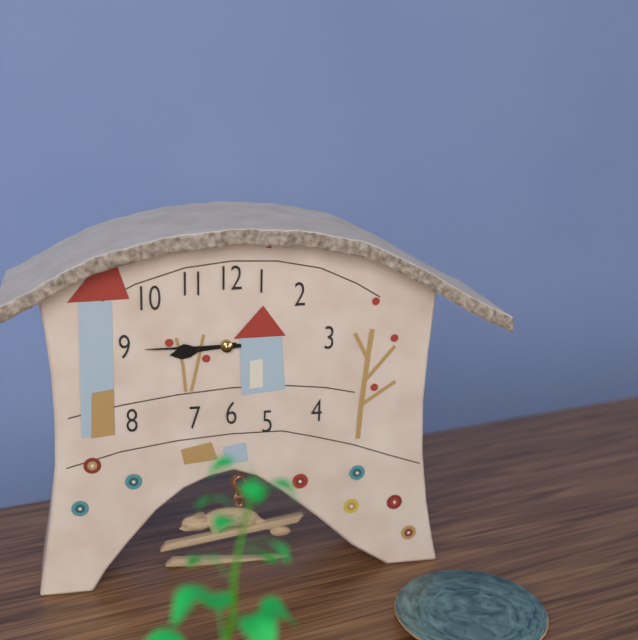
**8:45**
